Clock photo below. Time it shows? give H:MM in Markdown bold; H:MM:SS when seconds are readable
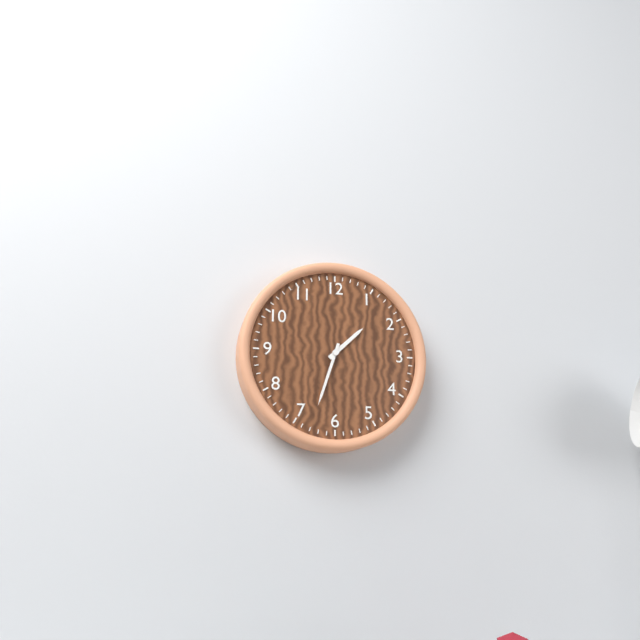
**1:33**
